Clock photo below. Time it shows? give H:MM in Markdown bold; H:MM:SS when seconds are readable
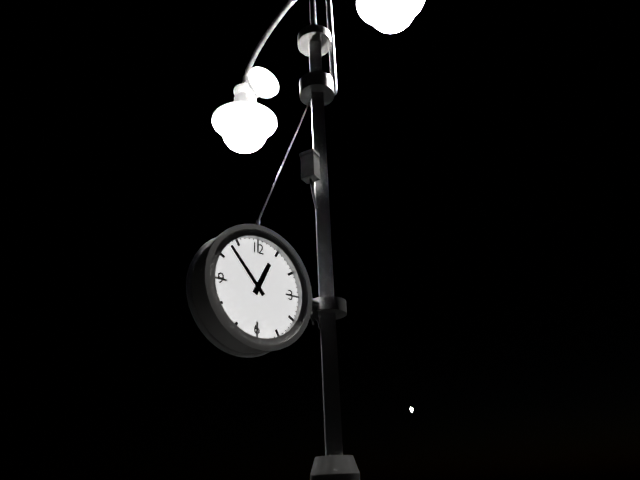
**12:53**
